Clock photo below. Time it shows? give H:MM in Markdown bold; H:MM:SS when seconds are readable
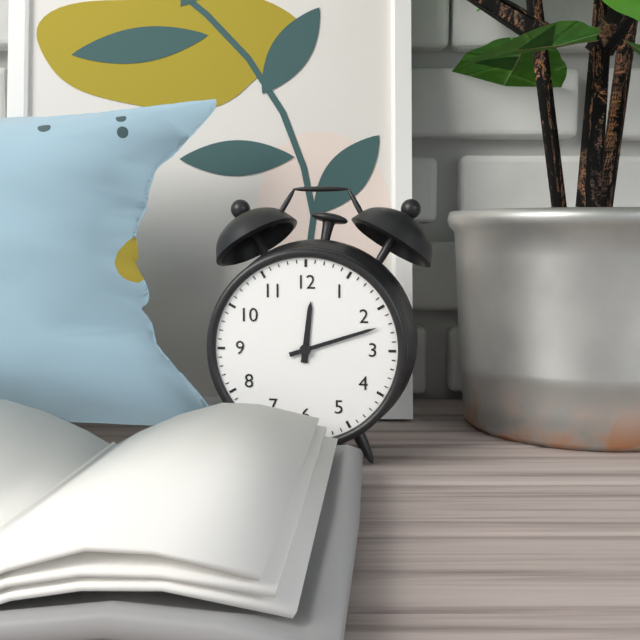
**12:12**
